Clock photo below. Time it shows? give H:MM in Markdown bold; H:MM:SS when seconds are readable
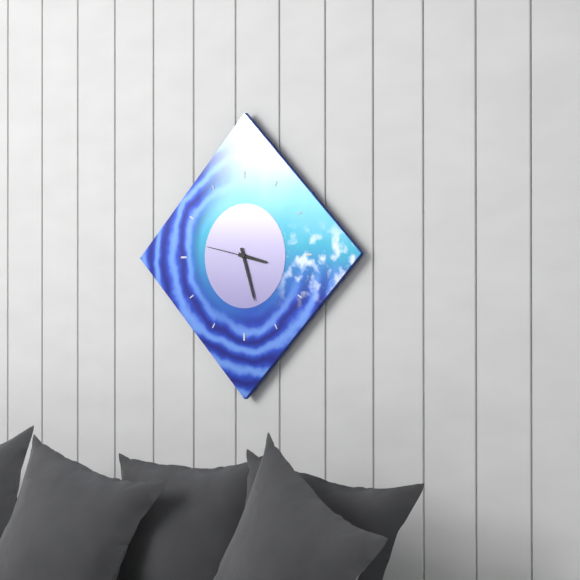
**3:27:47**
